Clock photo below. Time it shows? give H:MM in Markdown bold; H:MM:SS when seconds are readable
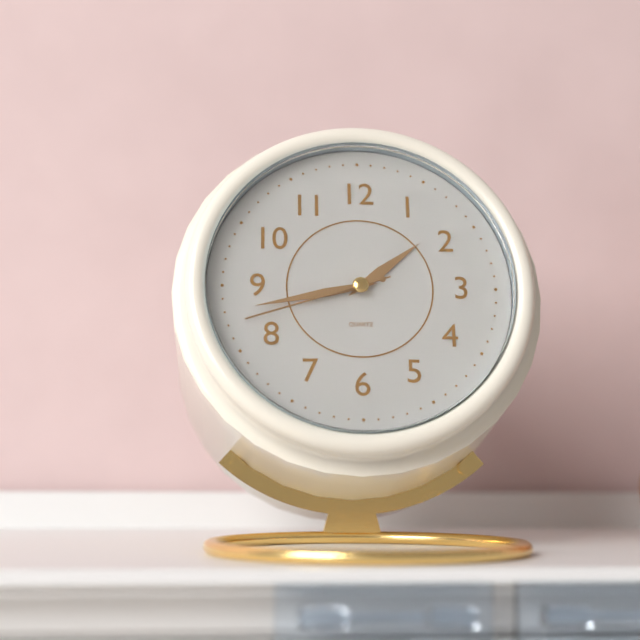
**1:43:42**
